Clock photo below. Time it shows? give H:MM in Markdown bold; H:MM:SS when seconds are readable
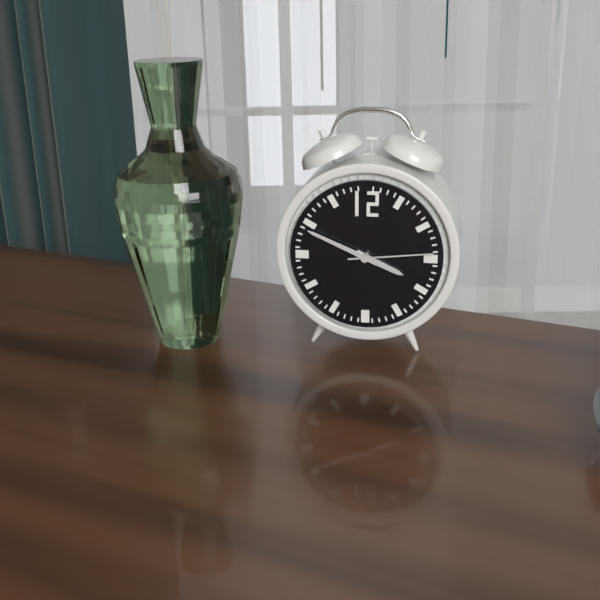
**3:49:14**
